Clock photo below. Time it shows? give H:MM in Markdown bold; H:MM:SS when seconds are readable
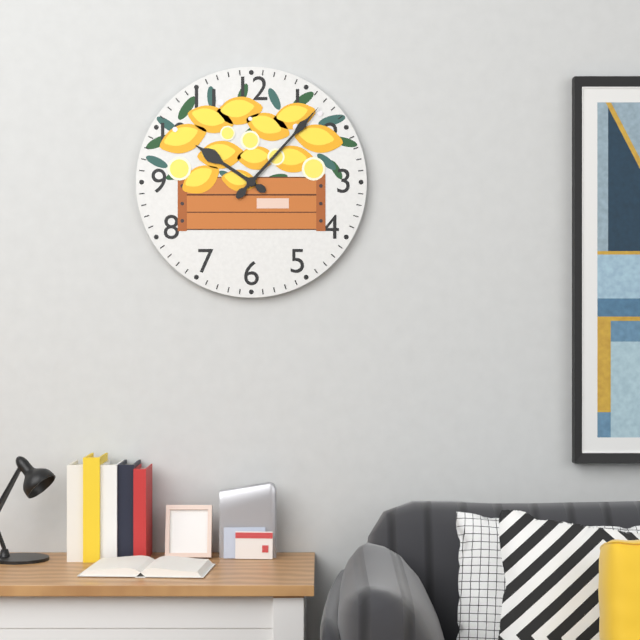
**10:07**
